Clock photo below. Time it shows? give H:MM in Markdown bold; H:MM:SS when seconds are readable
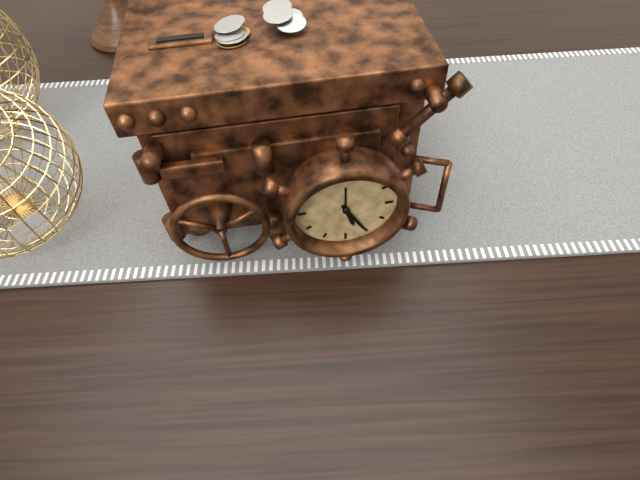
**5:25**
